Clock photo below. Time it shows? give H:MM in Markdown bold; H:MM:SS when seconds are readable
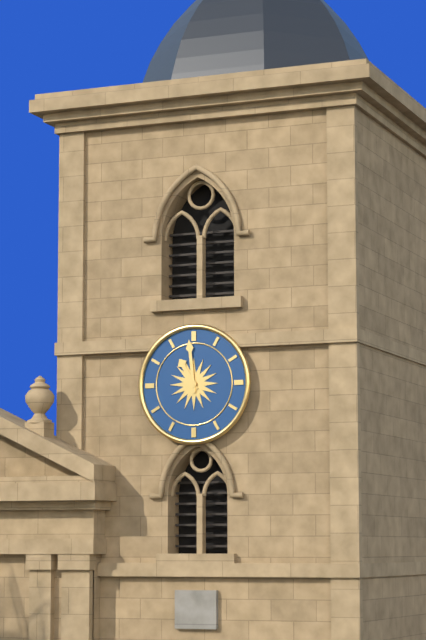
**10:59**
